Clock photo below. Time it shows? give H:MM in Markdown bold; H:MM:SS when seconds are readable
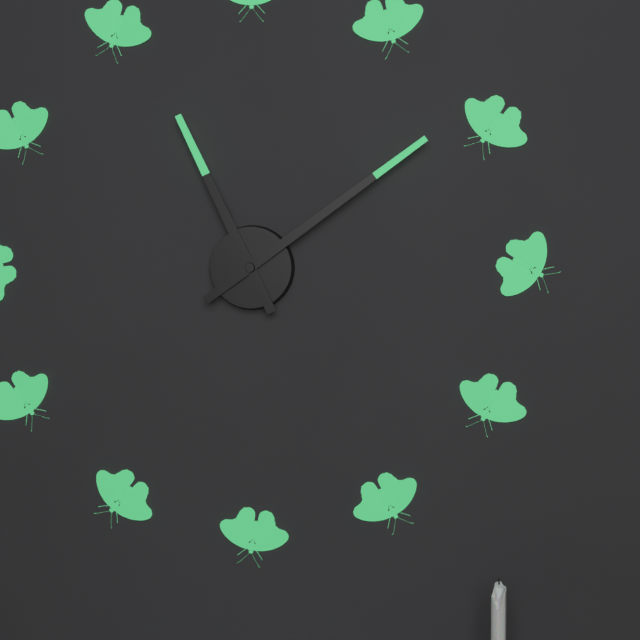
**11:09**
